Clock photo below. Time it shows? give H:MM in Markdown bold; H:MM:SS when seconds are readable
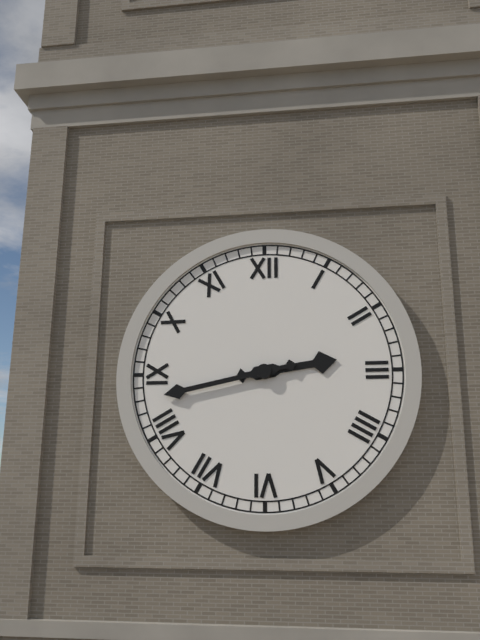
**2:43**
